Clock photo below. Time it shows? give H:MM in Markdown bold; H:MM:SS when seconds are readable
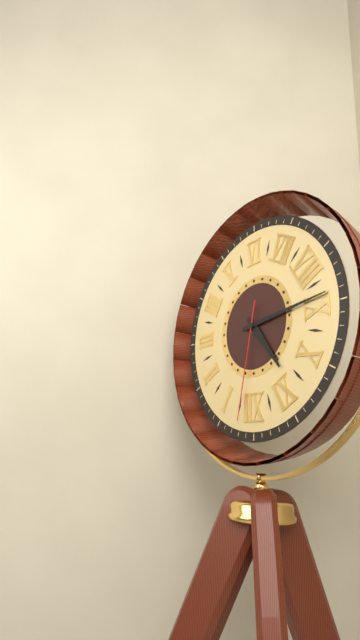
**10:44:02**
